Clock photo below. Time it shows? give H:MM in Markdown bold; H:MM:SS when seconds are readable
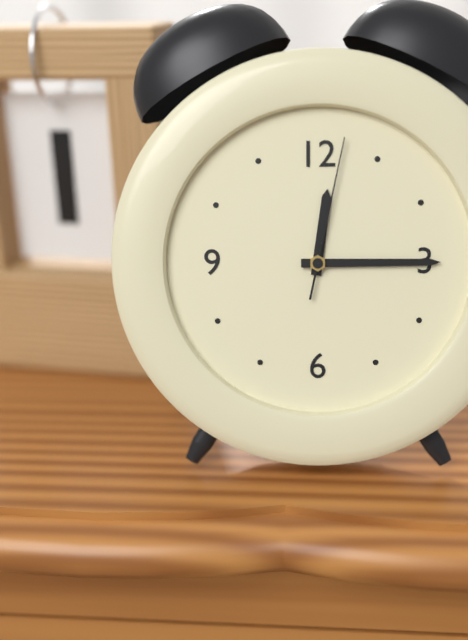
**12:15:02**
